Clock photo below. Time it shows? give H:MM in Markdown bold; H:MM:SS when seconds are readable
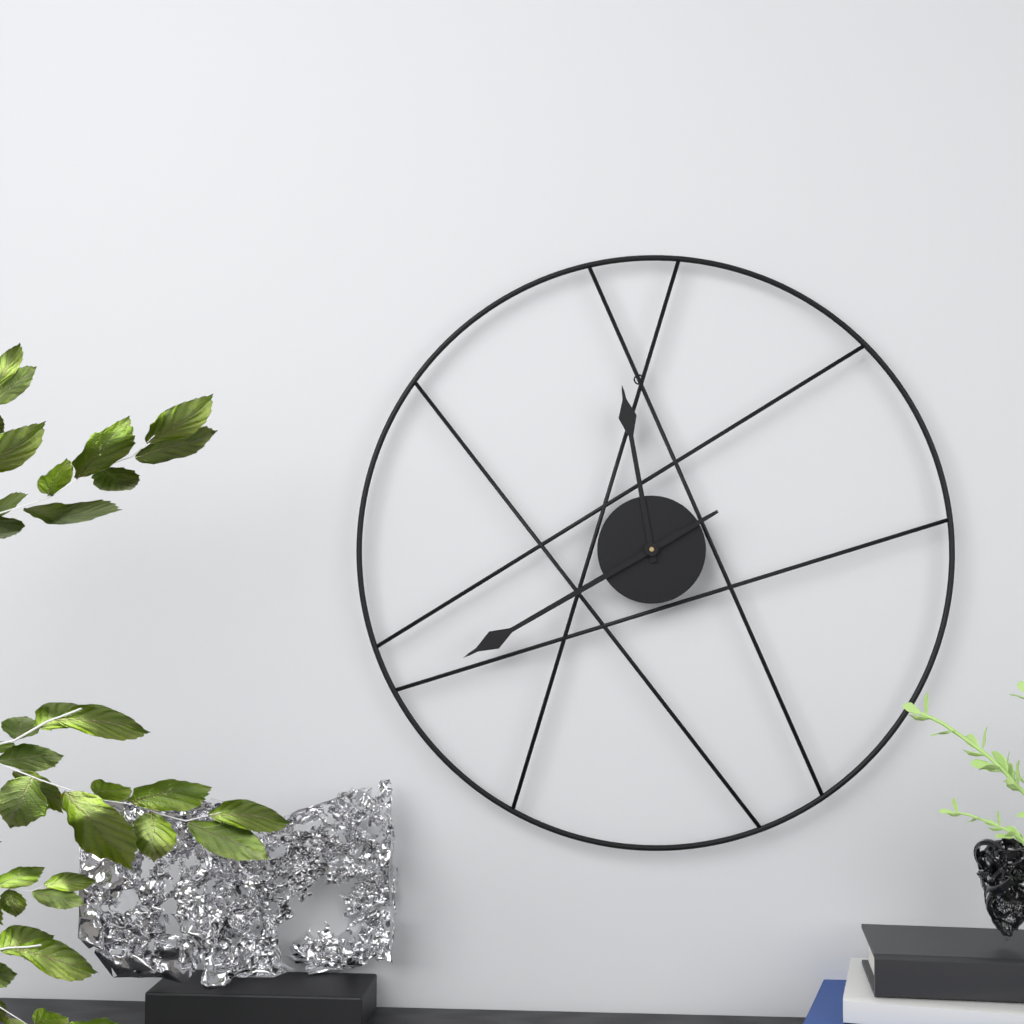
**11:40**
